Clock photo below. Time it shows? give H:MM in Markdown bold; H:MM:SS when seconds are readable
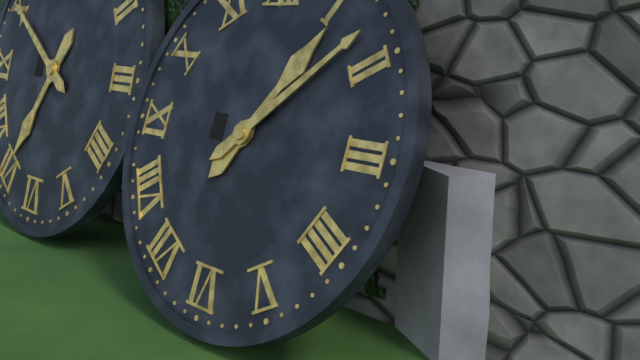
**1:08**
